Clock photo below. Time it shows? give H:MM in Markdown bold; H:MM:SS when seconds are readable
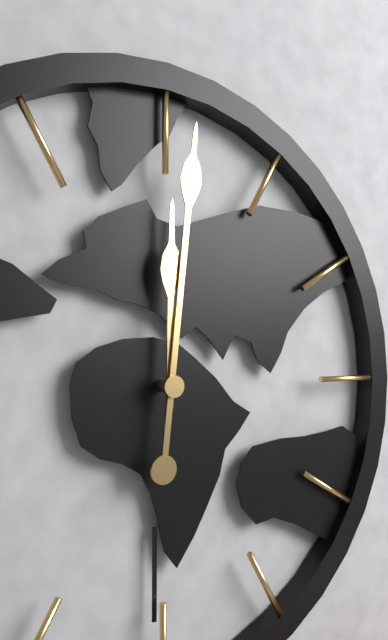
**12:01**
